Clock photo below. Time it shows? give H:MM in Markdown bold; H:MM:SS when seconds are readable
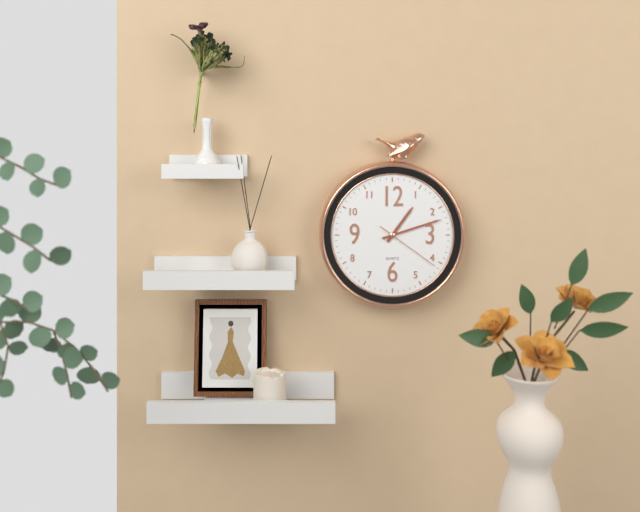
**1:12:21**
